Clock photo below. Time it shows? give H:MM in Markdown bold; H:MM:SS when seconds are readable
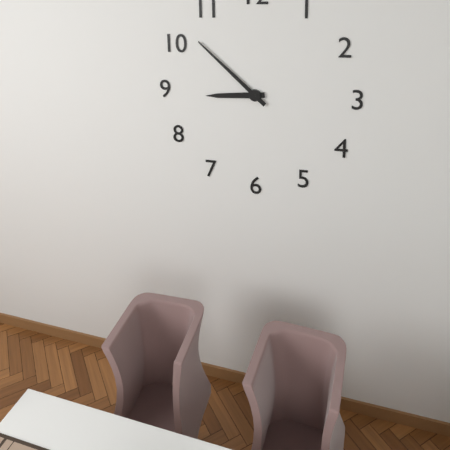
**8:52**
